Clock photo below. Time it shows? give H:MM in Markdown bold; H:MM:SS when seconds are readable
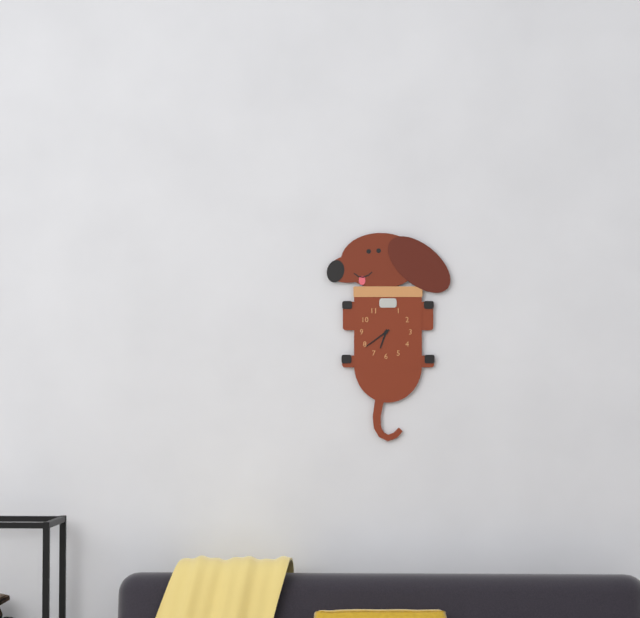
**6:39**
